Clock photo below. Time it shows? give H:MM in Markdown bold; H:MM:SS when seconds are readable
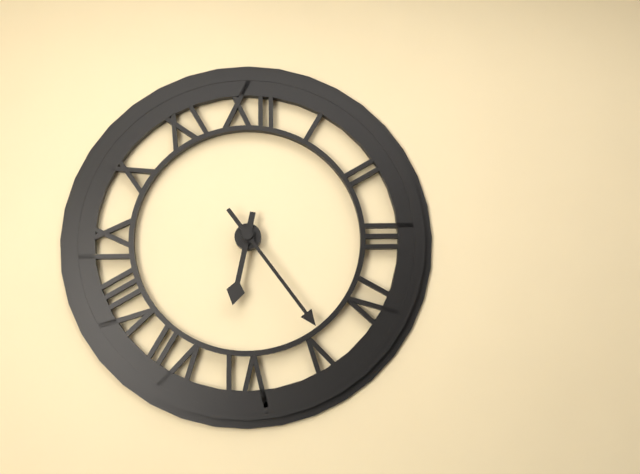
**6:24**
